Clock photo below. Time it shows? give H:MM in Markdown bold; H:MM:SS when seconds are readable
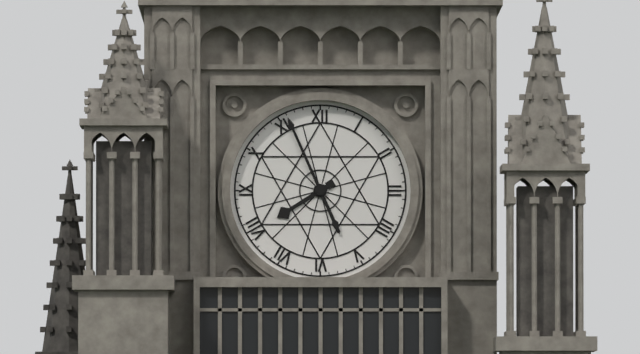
**7:56**
